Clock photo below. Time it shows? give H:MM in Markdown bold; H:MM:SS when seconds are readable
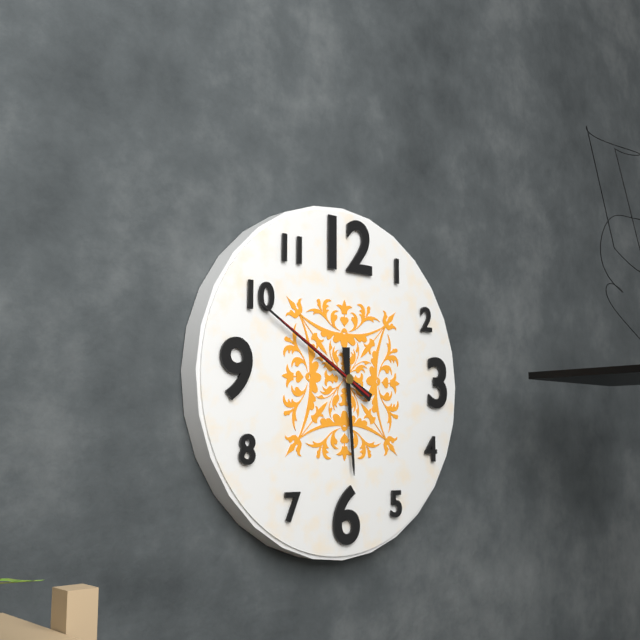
**5:50:50**
